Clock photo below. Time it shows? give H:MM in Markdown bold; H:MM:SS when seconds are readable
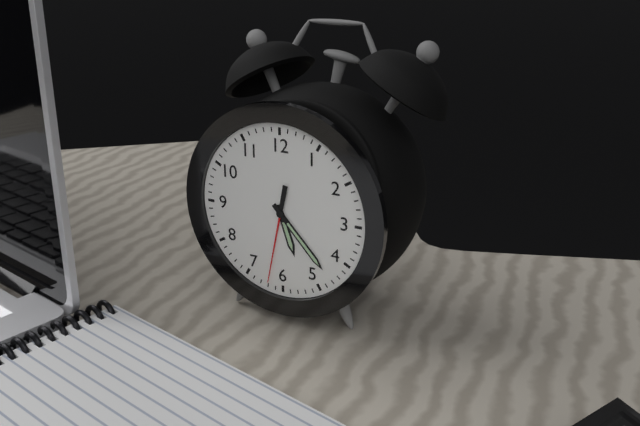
**5:23:32**
